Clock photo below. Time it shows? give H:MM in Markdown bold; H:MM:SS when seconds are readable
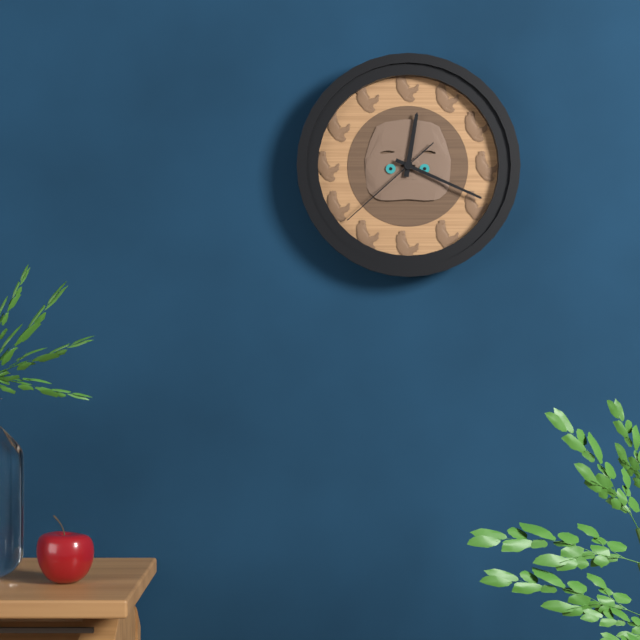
**12:19:38**
